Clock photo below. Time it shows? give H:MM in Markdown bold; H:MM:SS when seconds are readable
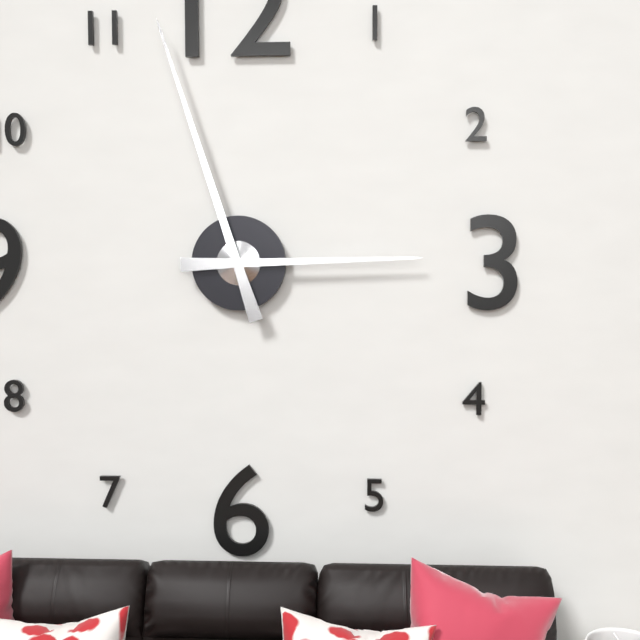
**2:57**
